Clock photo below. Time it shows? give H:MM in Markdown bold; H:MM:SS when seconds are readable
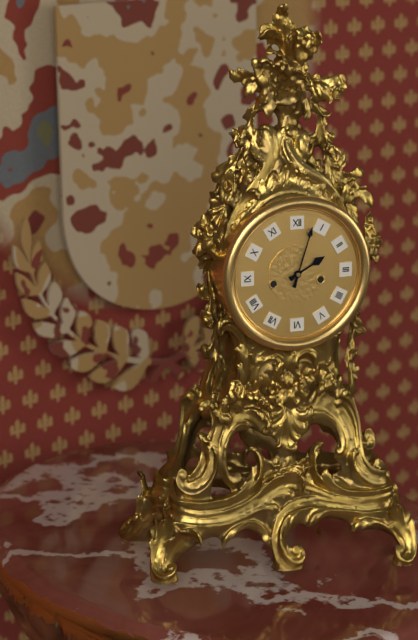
**2:03**
